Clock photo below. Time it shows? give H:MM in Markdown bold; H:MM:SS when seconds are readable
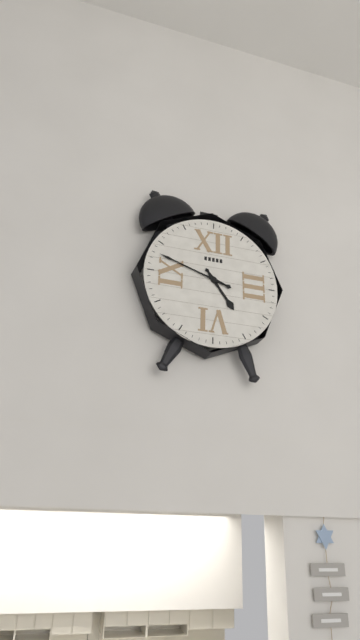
**4:48**
